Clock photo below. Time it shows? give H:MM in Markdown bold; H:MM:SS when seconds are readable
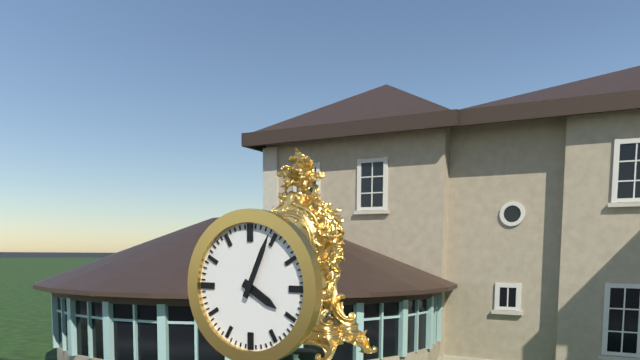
**4:04**
